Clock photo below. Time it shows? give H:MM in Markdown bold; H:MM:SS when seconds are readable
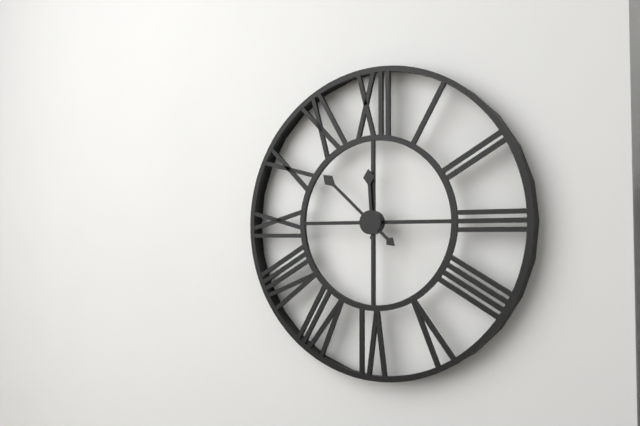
**11:52**
